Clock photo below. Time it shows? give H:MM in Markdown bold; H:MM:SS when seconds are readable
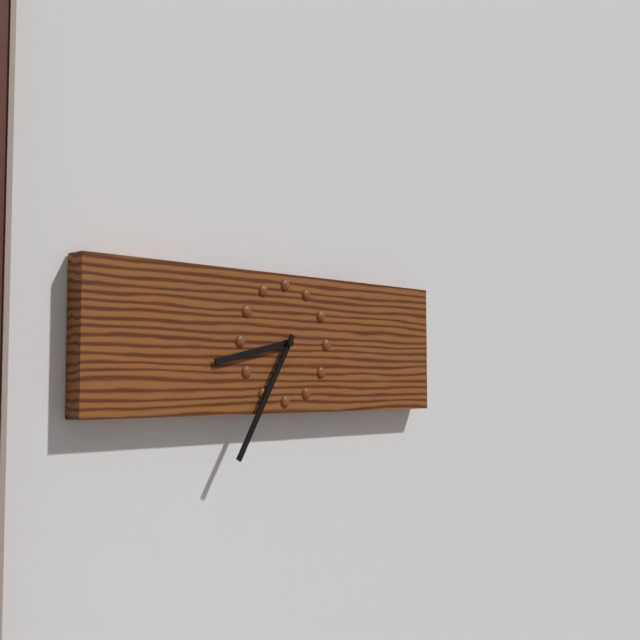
**8:35**
